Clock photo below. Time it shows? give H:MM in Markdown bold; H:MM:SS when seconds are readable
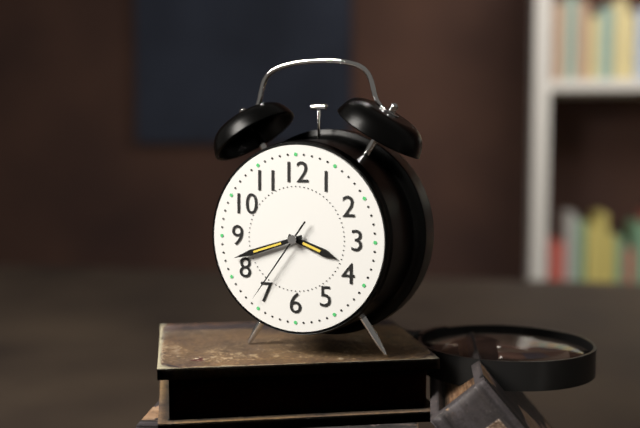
**3:42:36**
